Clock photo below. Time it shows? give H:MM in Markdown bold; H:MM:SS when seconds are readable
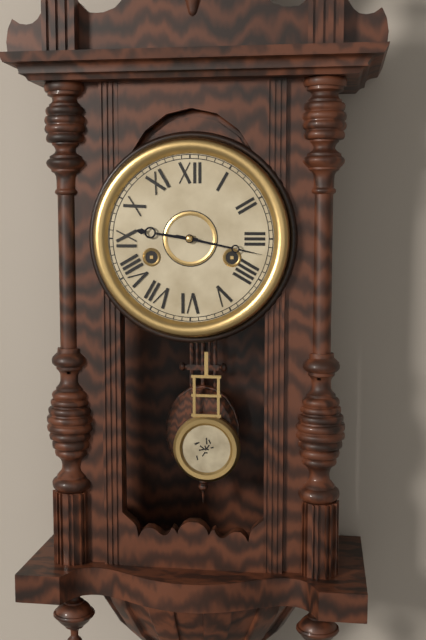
**9:17**
